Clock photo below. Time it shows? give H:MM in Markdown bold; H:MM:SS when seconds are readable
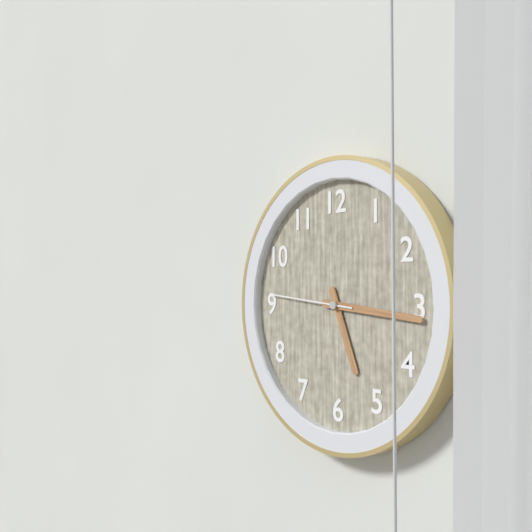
**5:16:46**
